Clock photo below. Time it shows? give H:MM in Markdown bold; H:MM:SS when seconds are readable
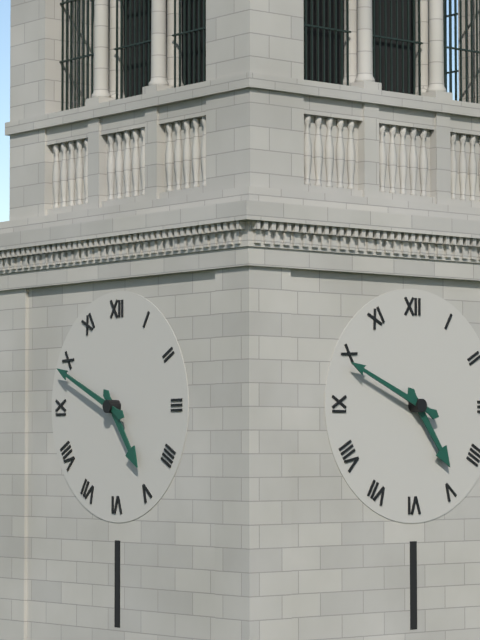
**4:49**
